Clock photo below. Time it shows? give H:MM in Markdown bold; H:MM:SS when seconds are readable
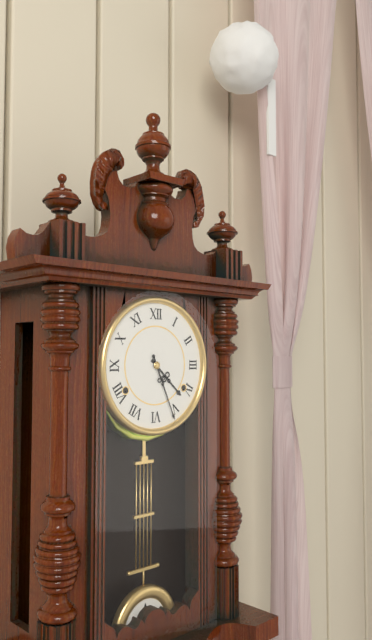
**4:26**
